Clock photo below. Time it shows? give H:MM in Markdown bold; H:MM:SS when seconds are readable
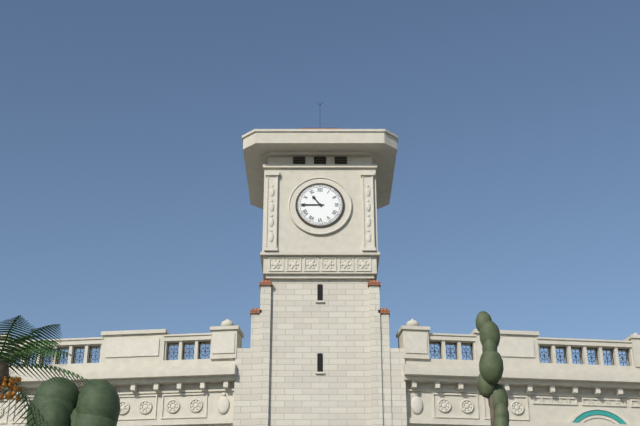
**10:45**
